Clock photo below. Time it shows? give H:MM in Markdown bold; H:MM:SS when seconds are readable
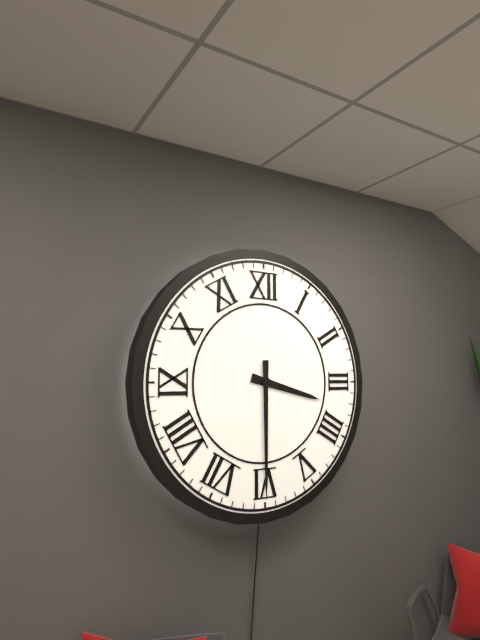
**3:30**
